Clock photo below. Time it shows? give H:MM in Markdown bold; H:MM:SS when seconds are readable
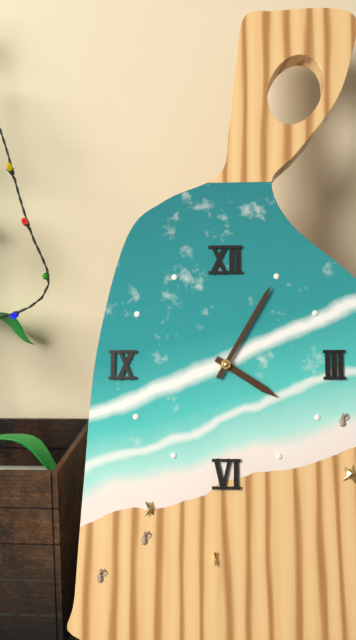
**4:05**
